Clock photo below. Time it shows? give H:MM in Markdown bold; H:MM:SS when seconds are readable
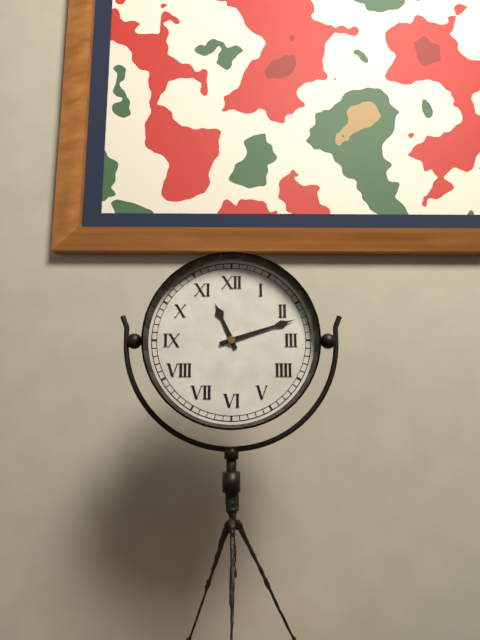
**11:12**
